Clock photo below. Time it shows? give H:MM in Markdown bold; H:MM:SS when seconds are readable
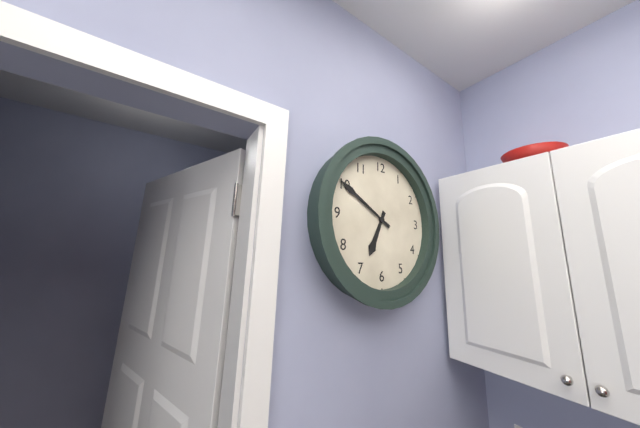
**6:50**
